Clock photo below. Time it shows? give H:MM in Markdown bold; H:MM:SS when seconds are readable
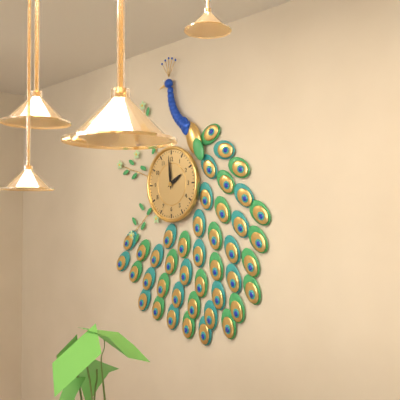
**1:59**
